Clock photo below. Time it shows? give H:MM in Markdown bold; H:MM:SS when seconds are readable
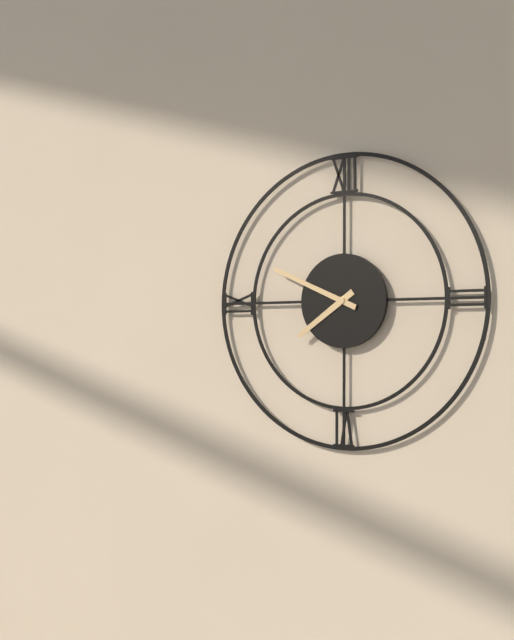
**7:49**
